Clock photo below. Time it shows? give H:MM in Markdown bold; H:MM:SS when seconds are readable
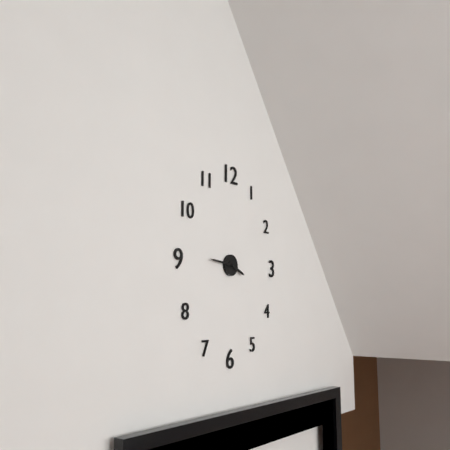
**3:46**
